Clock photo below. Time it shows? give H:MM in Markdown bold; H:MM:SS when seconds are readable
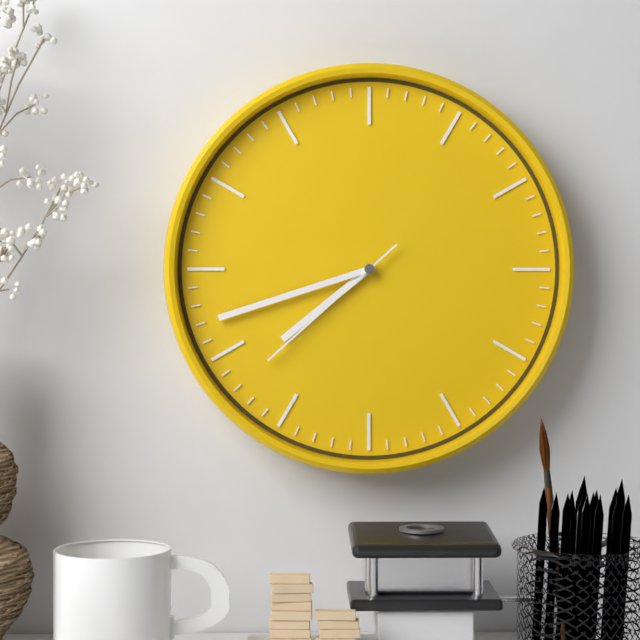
**7:42:38**
